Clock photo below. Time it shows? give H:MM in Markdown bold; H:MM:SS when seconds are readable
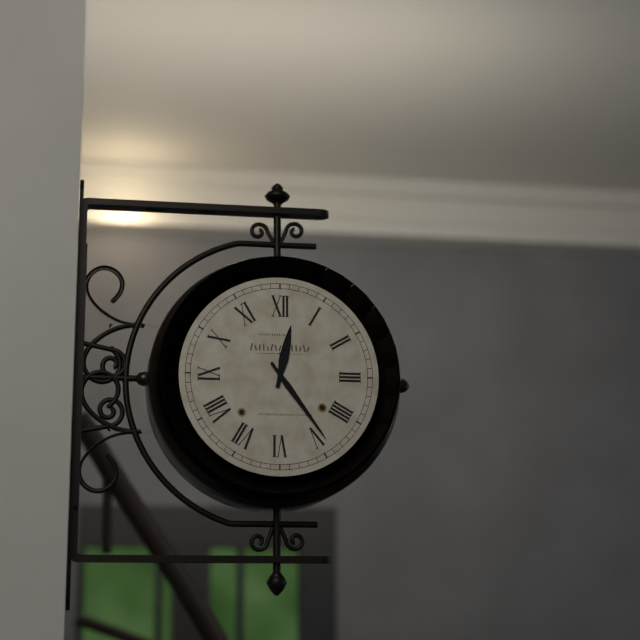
**12:24**
